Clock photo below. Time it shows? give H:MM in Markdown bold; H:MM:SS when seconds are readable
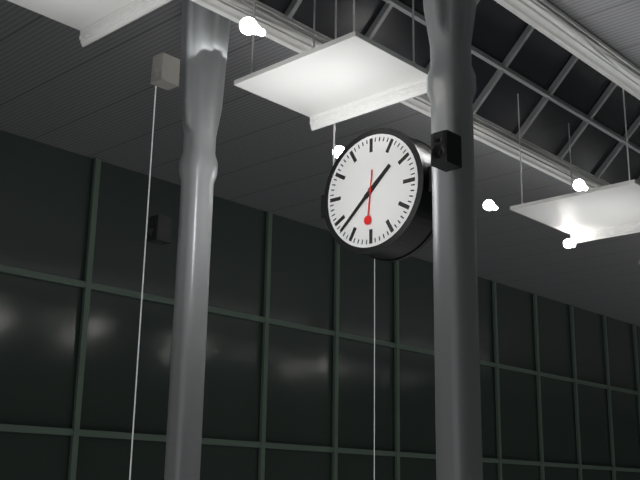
**1:38**
